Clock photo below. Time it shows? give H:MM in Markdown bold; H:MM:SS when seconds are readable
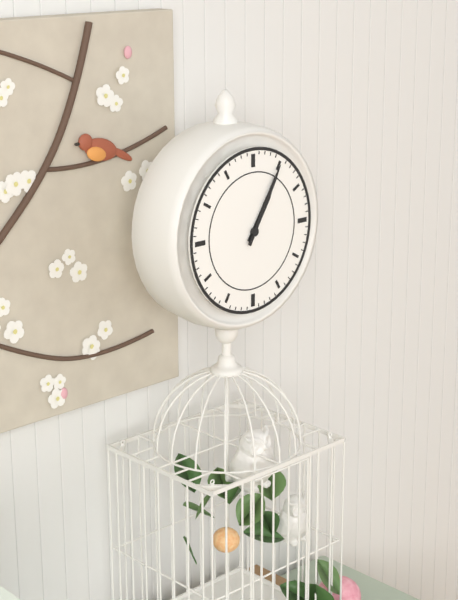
**1:05**
